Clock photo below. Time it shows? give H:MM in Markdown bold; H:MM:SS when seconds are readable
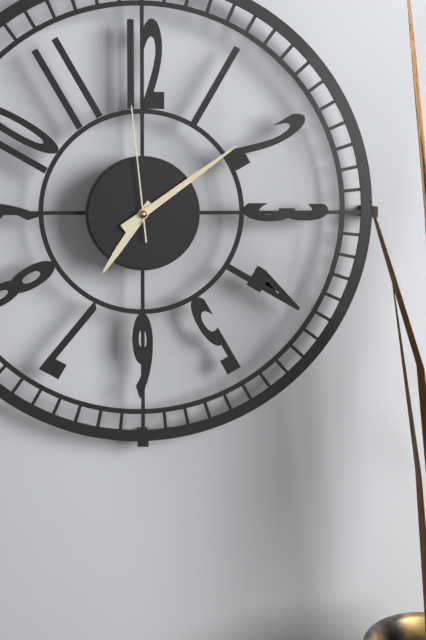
**7:09:59**
